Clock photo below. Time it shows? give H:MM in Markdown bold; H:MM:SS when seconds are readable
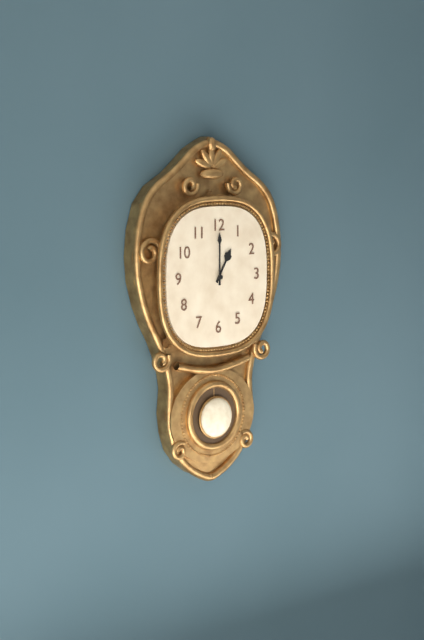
**1:00**
